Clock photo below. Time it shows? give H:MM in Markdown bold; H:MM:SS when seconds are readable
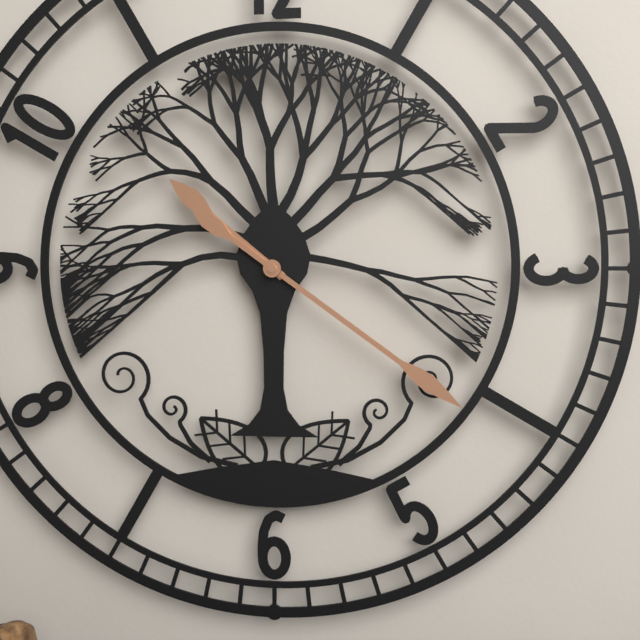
**10:21**
